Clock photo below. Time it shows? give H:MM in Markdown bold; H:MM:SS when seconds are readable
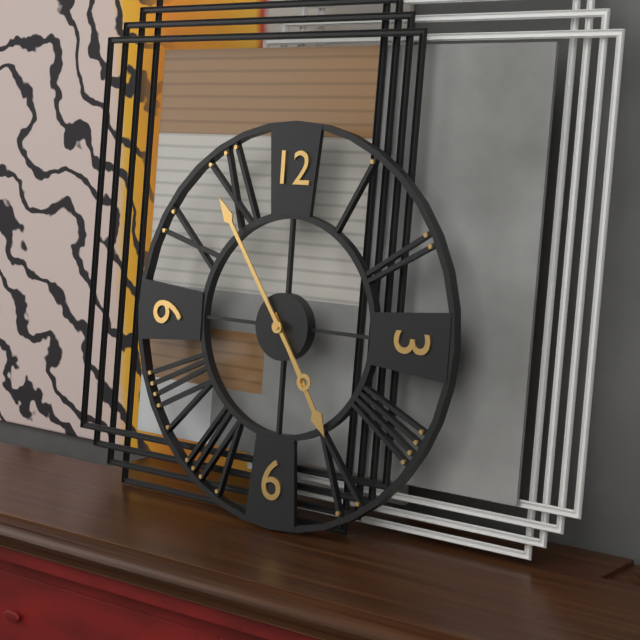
**4:54**
